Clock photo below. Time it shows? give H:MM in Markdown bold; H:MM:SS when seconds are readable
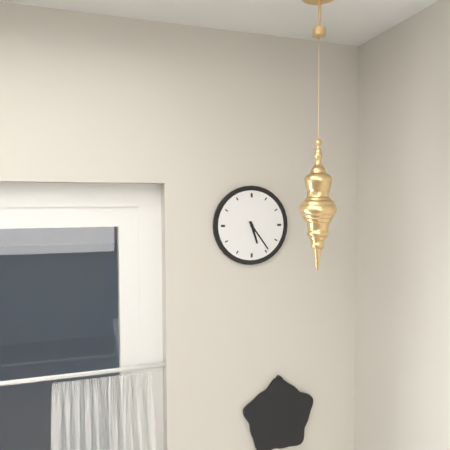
**5:24**
